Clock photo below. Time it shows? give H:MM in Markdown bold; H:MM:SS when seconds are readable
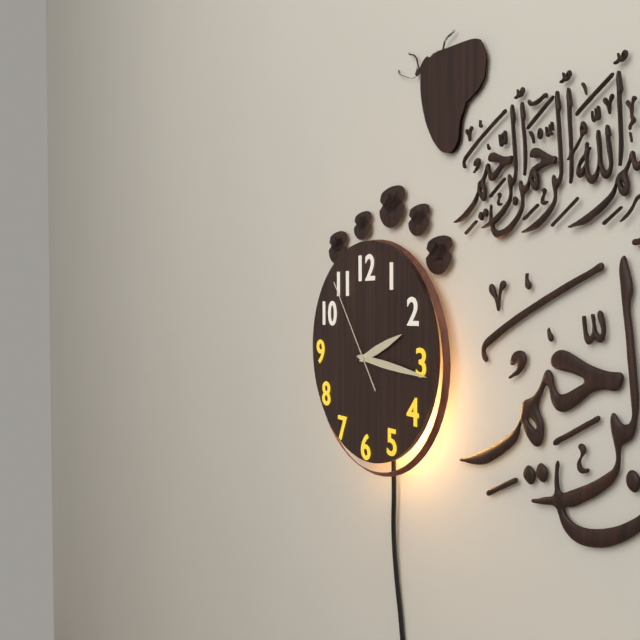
**2:16:54**
